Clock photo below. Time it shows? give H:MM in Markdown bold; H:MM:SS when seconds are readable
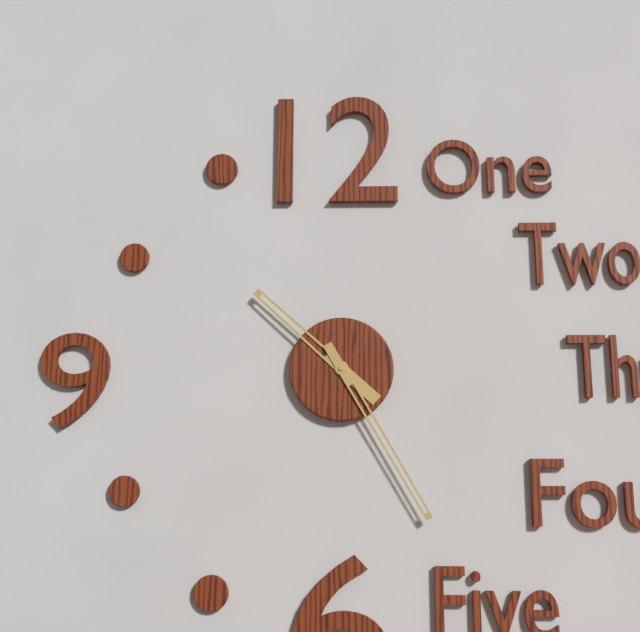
**10:25**
